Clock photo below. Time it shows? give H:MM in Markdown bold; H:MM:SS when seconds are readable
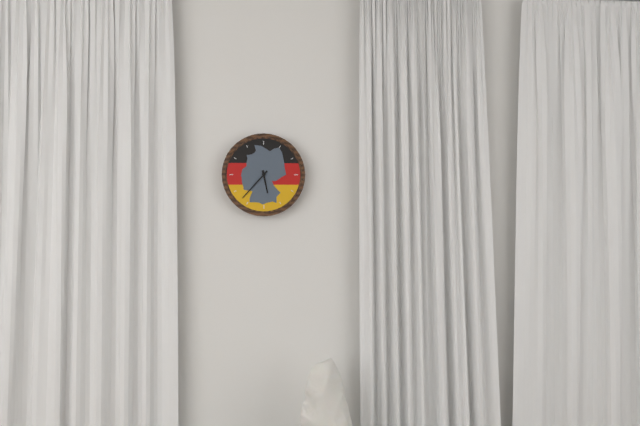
**5:37**
